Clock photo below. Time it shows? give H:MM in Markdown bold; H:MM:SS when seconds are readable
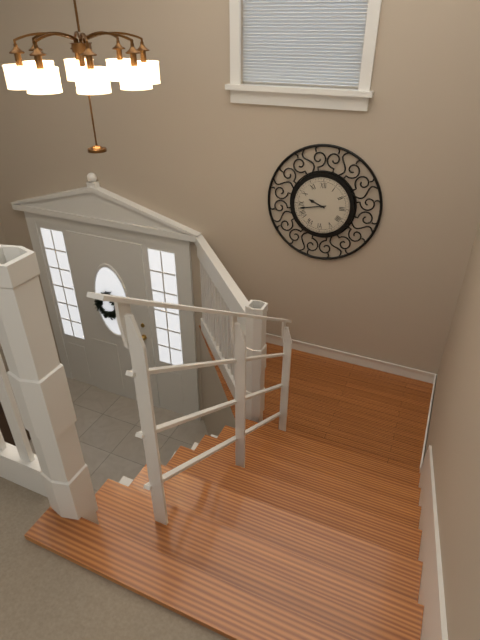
**9:43**
